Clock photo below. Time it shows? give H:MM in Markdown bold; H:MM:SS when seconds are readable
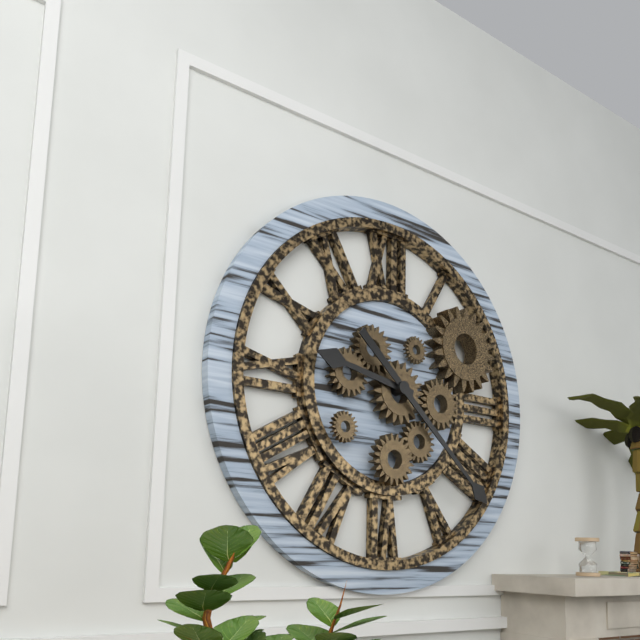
**9:22**
